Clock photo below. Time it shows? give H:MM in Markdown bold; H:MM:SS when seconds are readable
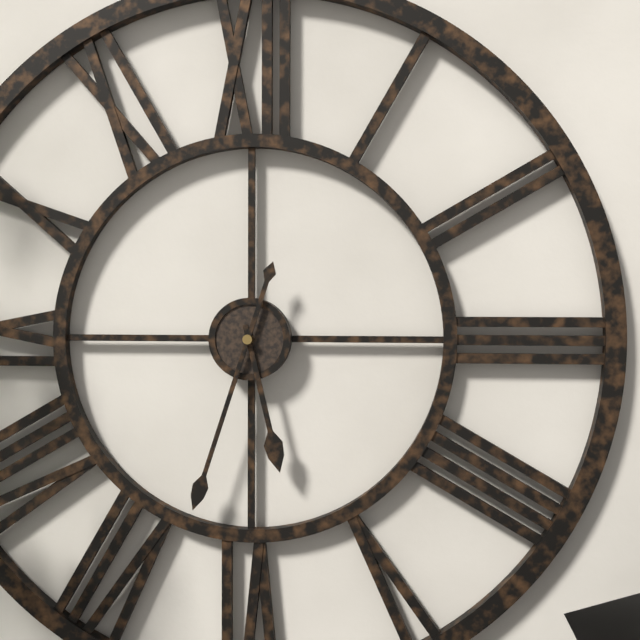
**5:33**
